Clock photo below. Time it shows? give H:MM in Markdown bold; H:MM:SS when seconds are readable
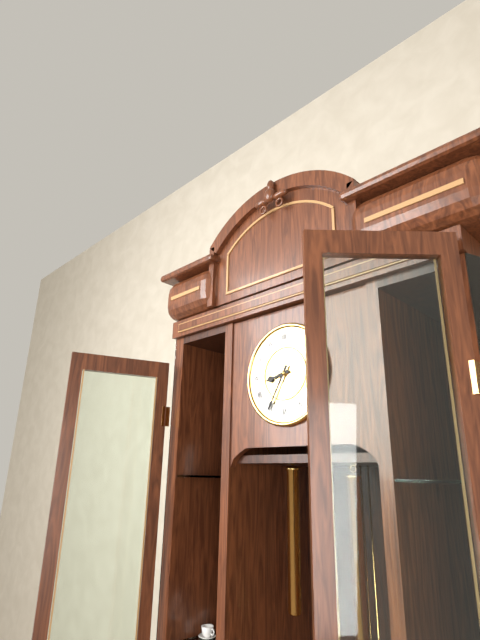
**8:35**
